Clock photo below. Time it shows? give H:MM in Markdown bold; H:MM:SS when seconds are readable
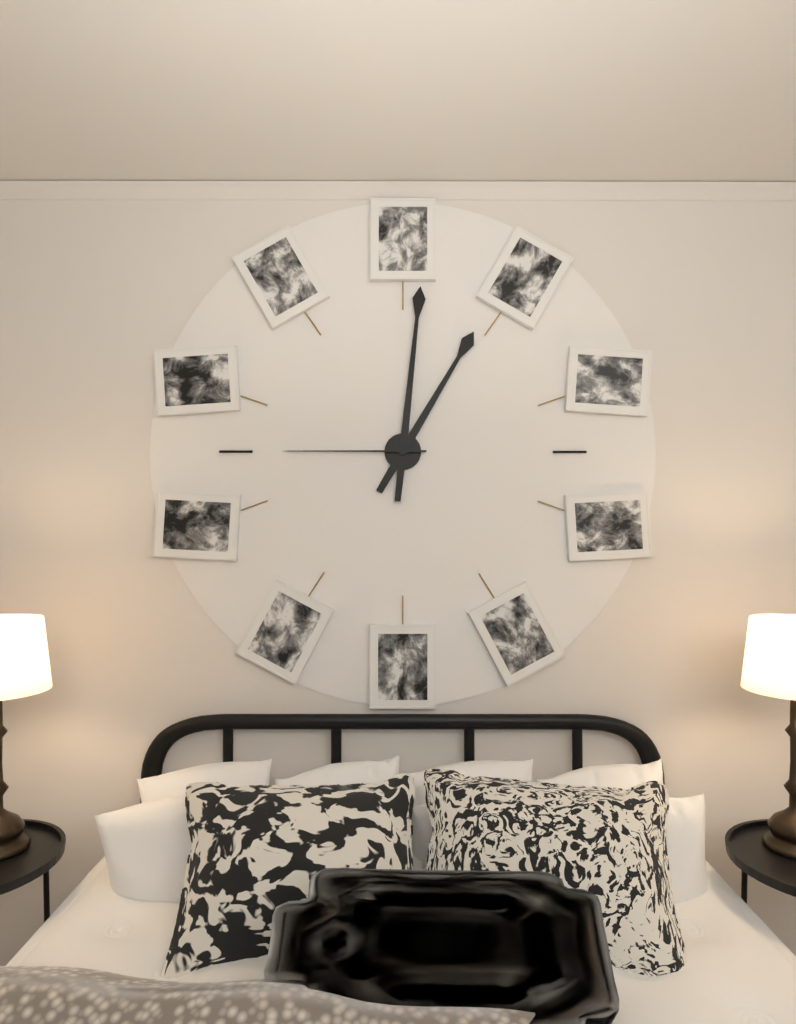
**1:01:45**
